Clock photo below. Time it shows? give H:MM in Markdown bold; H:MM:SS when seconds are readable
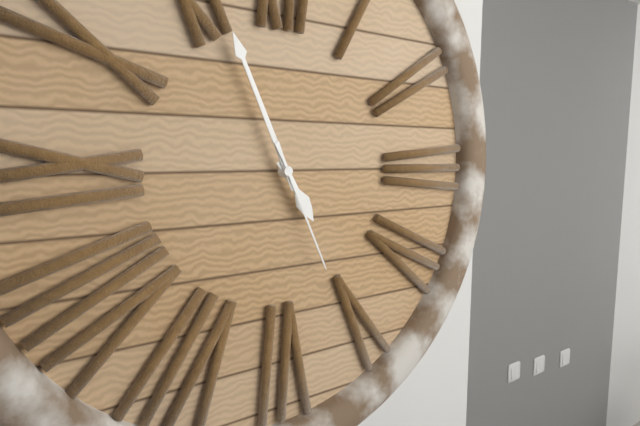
**4:56:26**
